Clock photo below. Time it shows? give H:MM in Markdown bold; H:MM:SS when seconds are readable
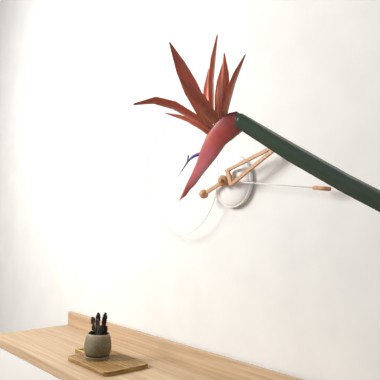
**2:16**
